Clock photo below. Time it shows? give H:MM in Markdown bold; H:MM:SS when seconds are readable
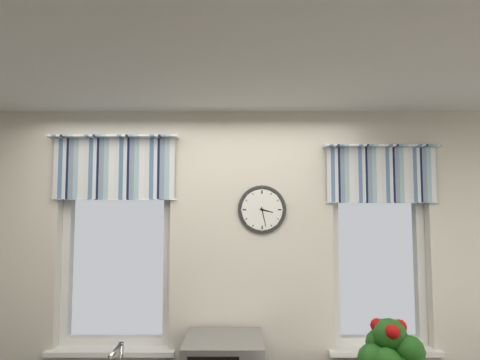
**3:28**
